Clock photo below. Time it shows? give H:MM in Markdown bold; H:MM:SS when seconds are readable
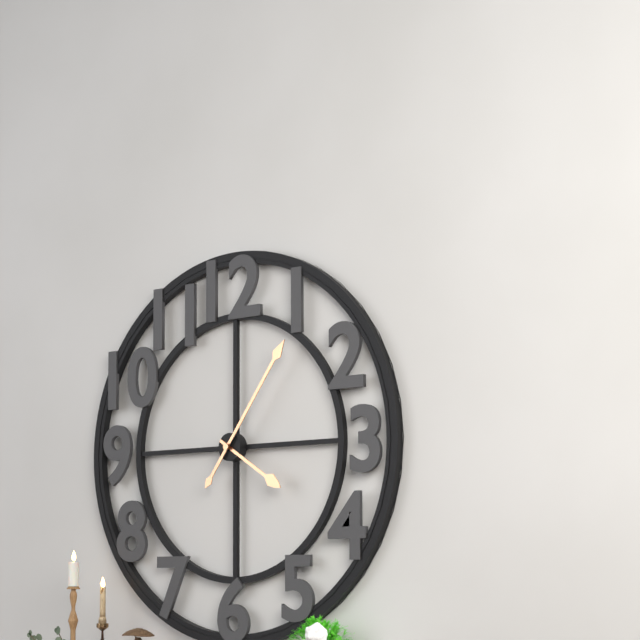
**4:06**
